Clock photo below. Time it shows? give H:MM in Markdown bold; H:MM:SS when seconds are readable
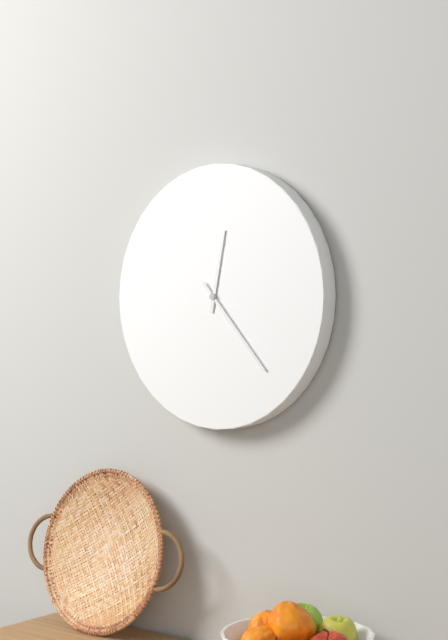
**12:23**
